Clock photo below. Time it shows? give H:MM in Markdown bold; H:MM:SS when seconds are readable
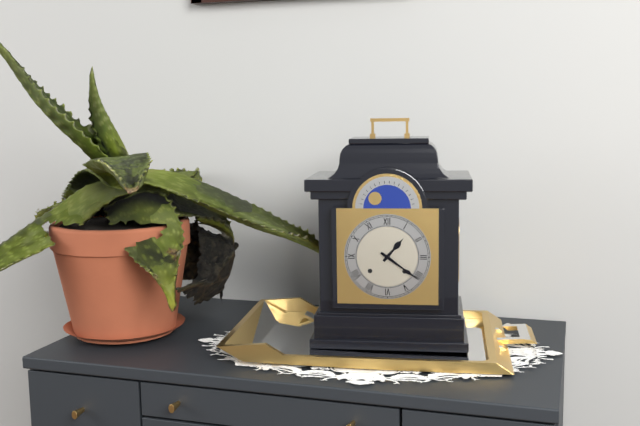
**1:21**
